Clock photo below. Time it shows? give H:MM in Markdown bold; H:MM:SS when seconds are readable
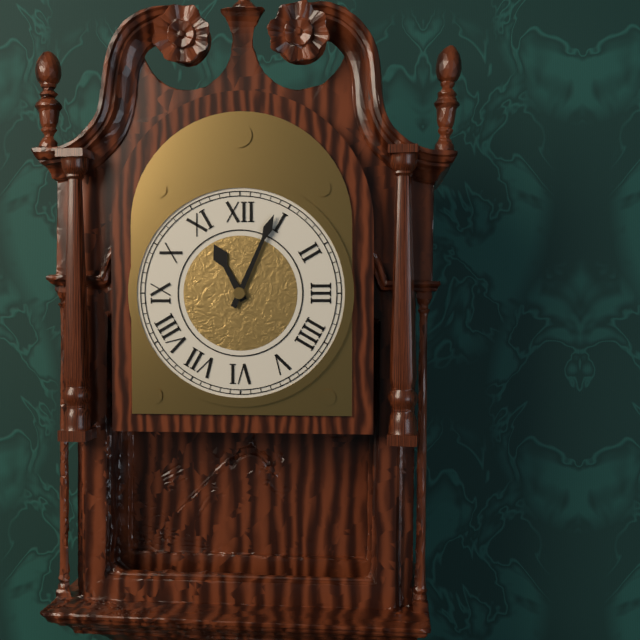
**11:04**
